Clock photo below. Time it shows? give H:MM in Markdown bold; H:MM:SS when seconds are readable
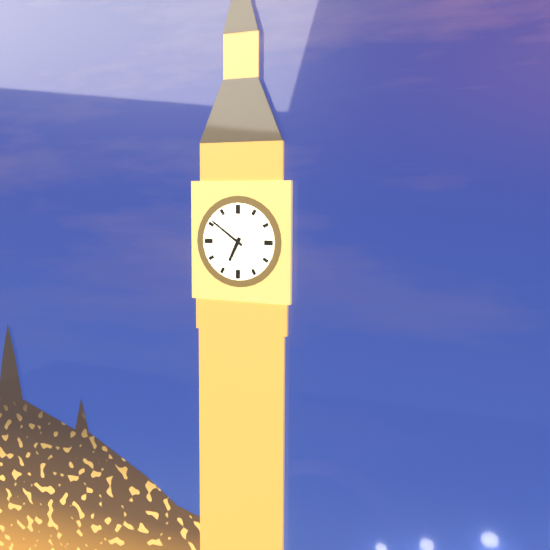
**6:51**
